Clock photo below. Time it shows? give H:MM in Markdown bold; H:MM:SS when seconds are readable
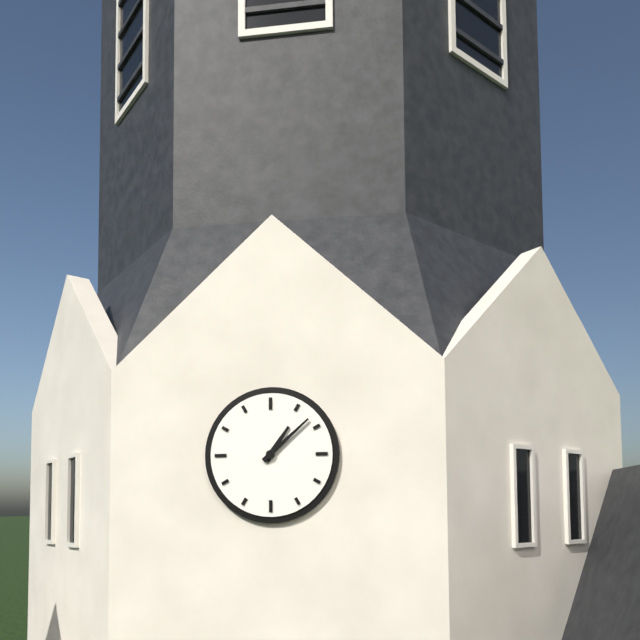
**1:08**
